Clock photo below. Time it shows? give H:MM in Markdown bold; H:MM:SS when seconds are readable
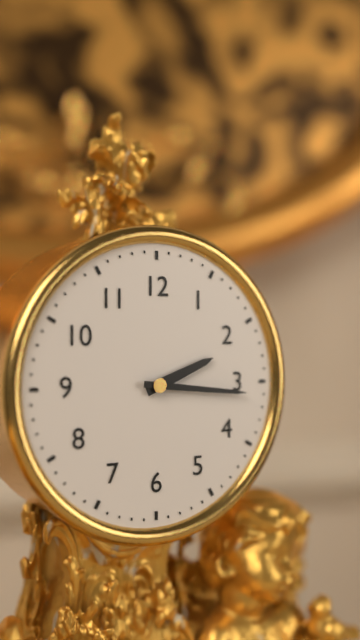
**2:16**
